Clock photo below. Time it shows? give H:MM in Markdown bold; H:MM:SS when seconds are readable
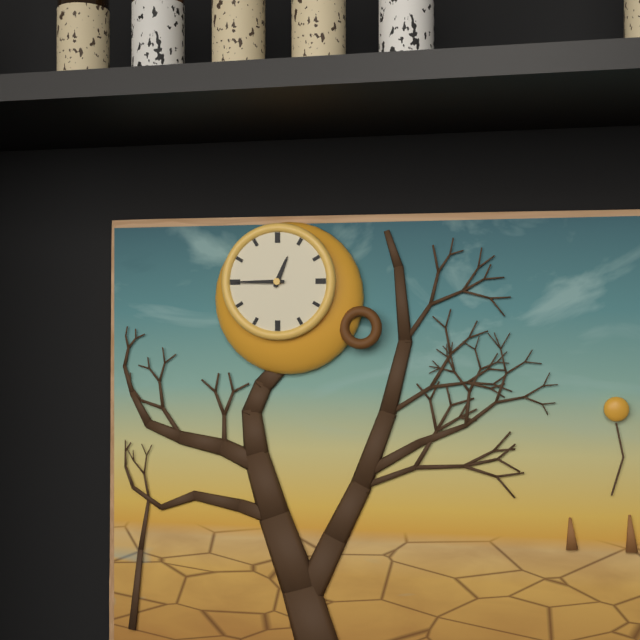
**12:45**
